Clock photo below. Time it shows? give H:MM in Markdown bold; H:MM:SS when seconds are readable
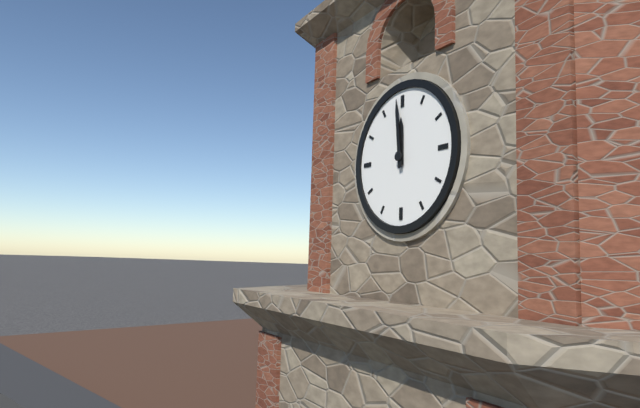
**11:59**
